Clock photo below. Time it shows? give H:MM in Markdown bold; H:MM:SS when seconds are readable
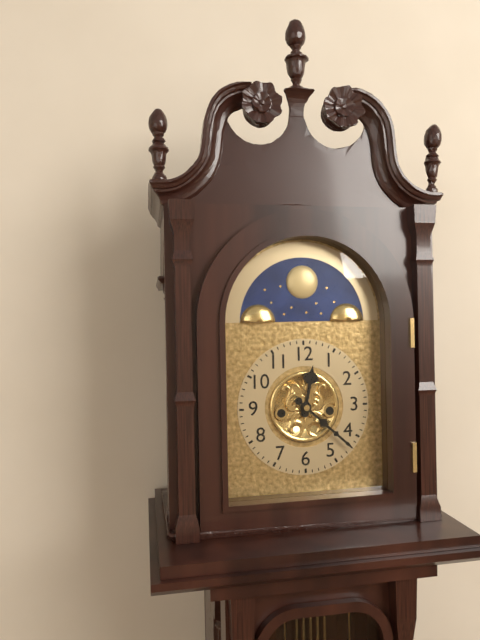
**12:22**
